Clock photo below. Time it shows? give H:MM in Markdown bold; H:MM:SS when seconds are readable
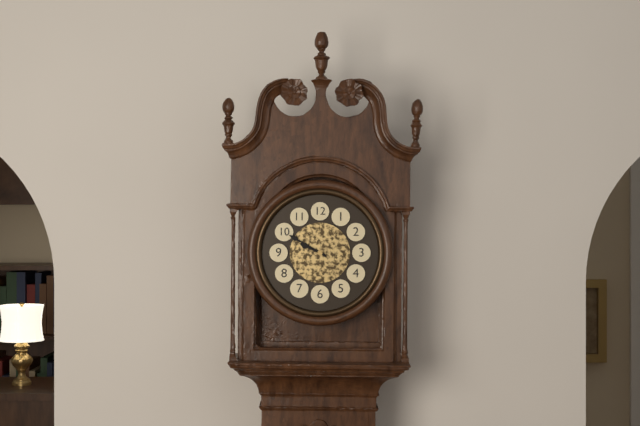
**9:50**
